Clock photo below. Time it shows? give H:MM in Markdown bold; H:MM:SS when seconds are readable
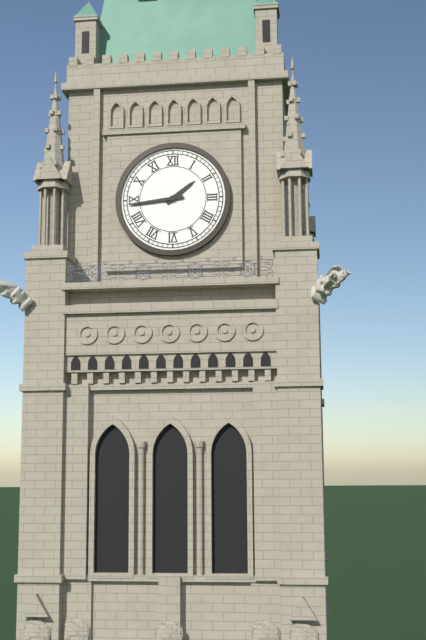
**1:44**
